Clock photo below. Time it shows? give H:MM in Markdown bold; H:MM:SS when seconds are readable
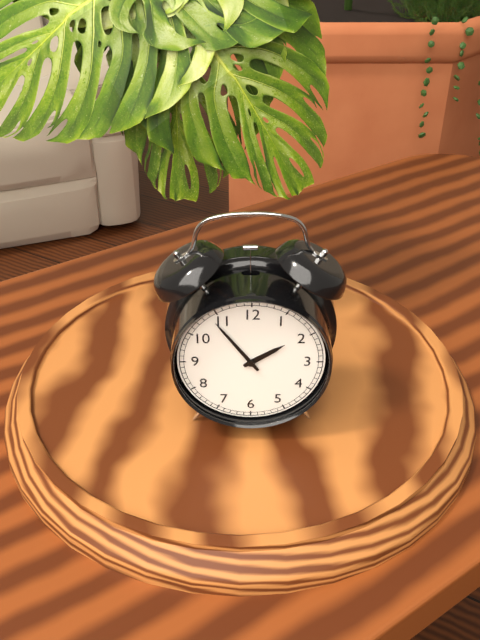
**1:54**
